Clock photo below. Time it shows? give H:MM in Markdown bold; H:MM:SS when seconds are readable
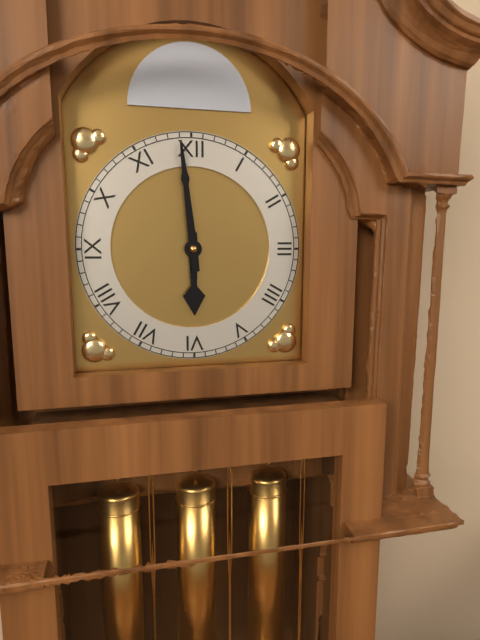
**5:59**
